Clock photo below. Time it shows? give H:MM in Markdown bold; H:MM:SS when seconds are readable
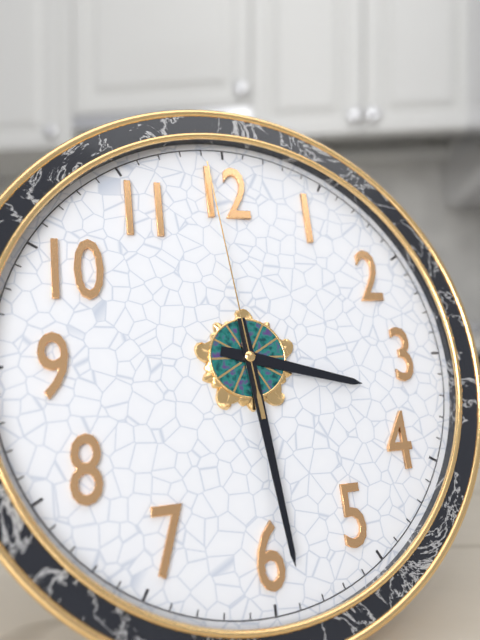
**3:29:59**
